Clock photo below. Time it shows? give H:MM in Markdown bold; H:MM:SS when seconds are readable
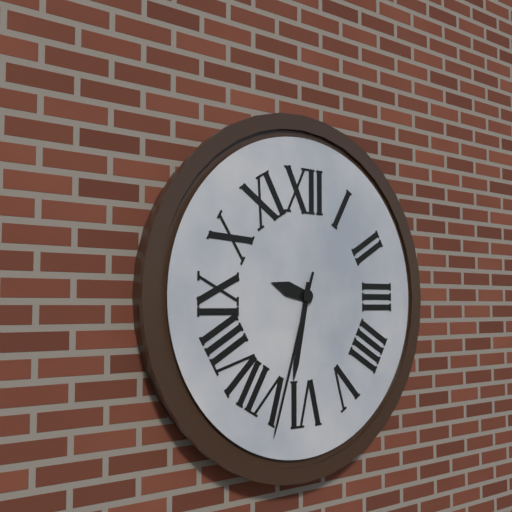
**9:32:33**
